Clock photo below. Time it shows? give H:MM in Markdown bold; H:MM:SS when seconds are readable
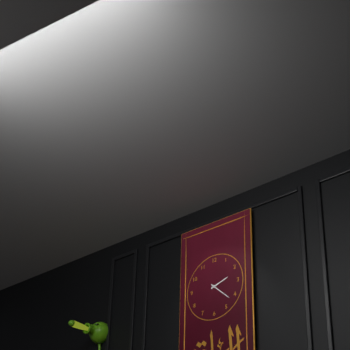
**2:22**
